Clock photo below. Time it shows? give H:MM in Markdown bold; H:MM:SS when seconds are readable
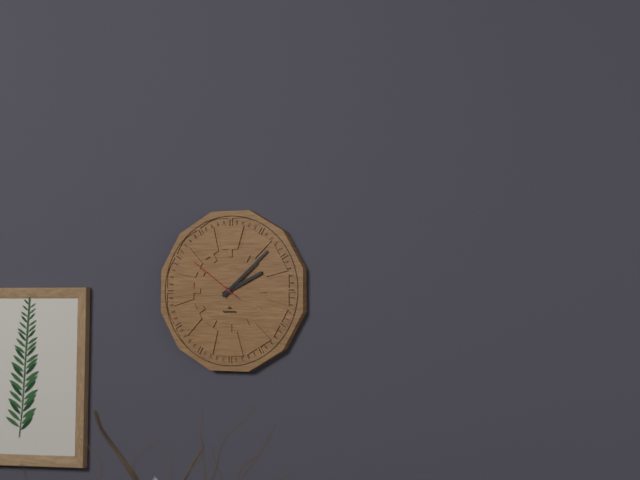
**2:08:51**
